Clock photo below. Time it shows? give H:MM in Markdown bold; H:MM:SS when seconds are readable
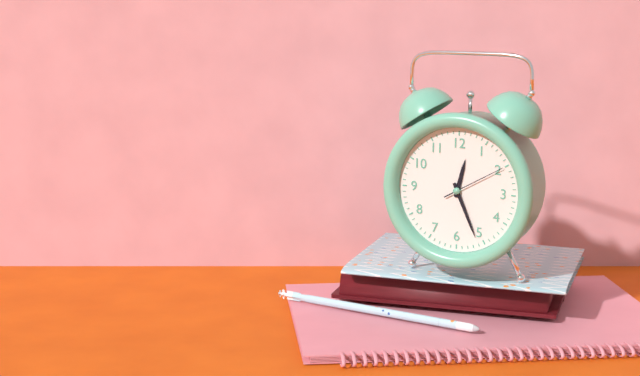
**12:26:10**
